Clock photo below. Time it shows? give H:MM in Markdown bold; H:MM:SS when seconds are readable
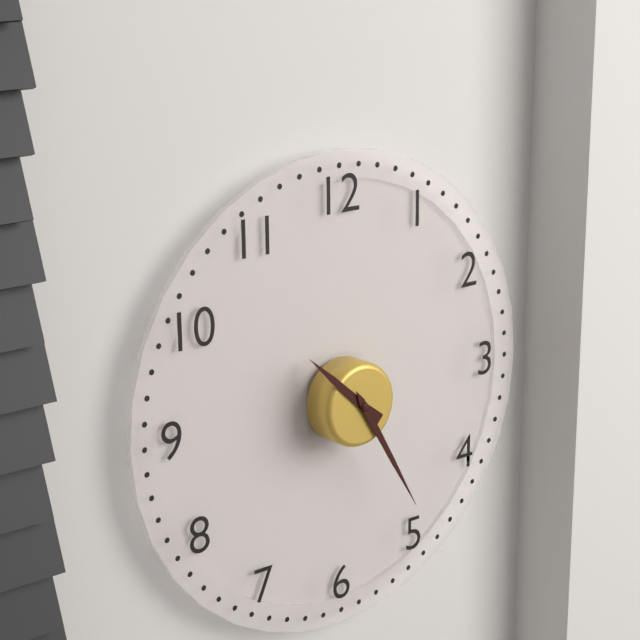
**10:25**
